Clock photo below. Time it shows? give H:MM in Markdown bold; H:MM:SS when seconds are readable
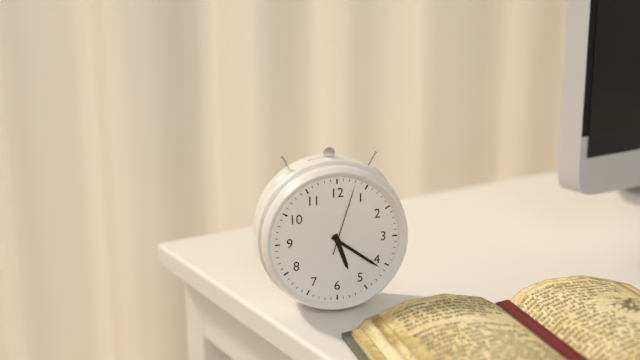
**5:21:03**
